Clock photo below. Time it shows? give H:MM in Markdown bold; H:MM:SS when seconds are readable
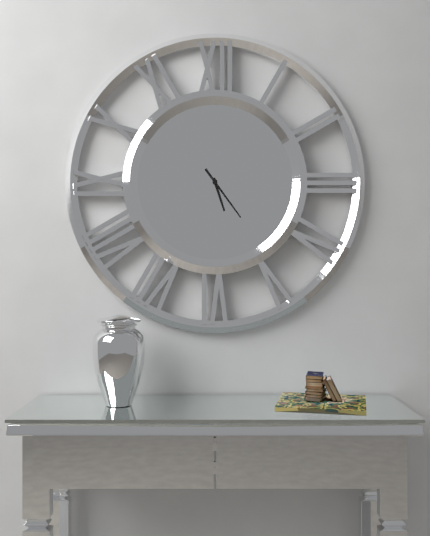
**5:24**
